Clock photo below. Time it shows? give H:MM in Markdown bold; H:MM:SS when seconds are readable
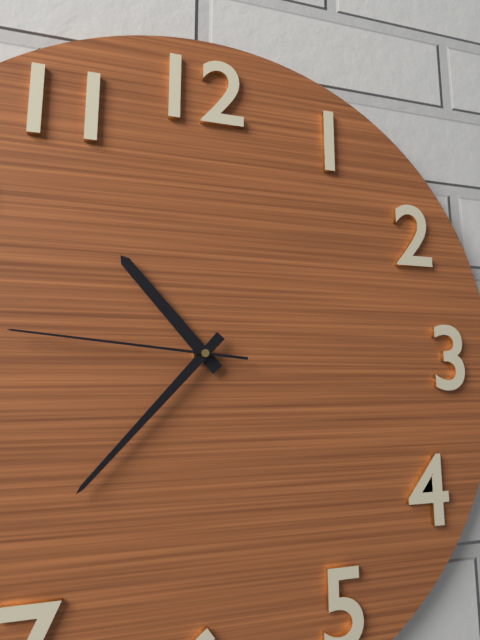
**10:37:46**
